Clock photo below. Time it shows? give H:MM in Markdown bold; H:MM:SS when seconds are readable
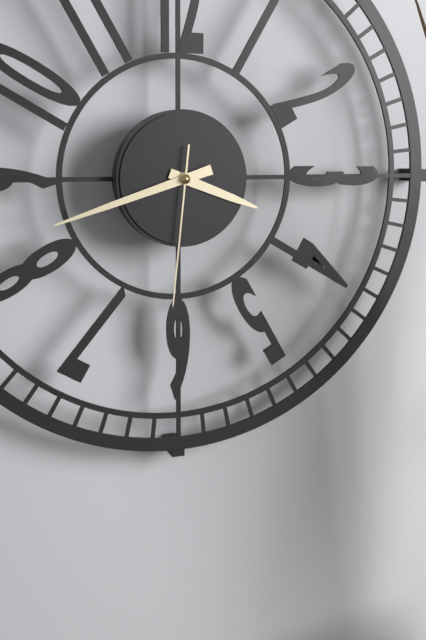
**3:42:31**
